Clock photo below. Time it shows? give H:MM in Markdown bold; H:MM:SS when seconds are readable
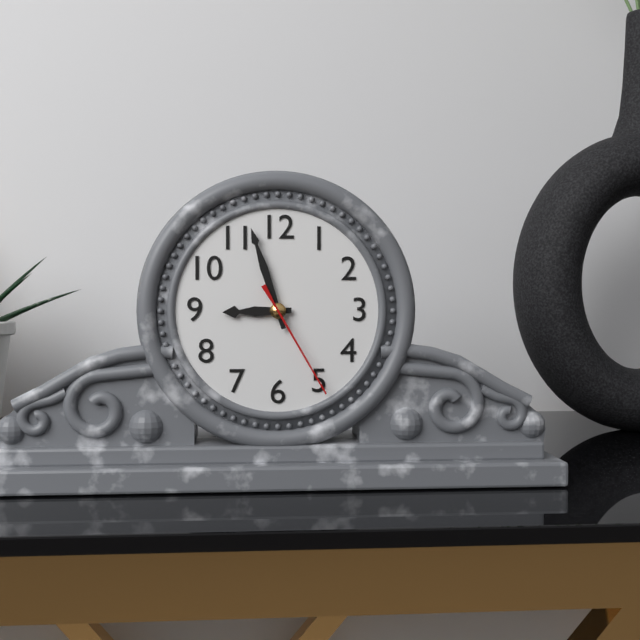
**8:57:25**
